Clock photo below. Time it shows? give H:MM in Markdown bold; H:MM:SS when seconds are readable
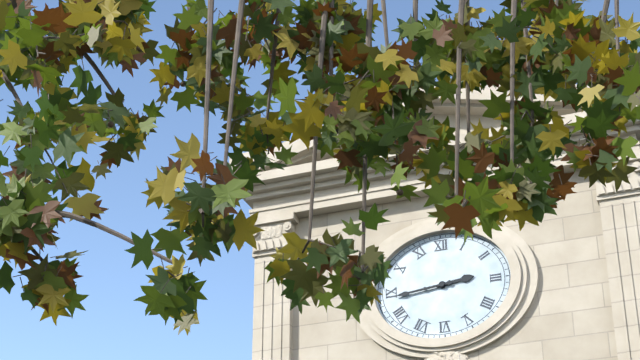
**2:44**
